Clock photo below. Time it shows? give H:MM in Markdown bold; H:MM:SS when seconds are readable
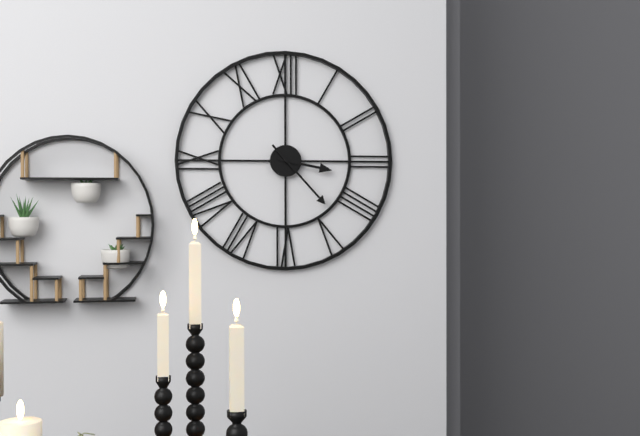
**3:23**
